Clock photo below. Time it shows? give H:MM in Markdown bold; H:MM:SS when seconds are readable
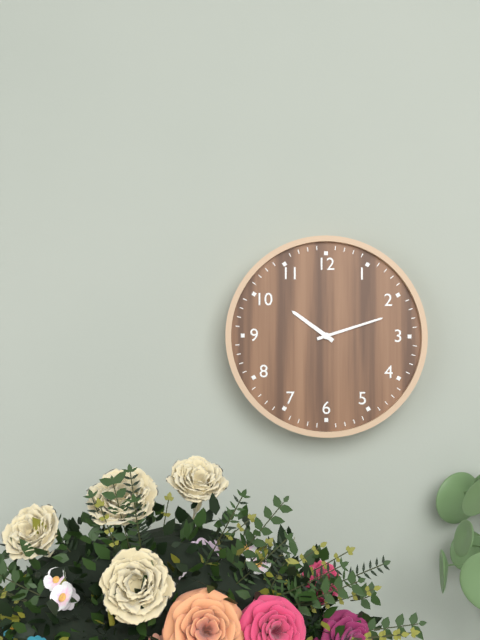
**10:12**
